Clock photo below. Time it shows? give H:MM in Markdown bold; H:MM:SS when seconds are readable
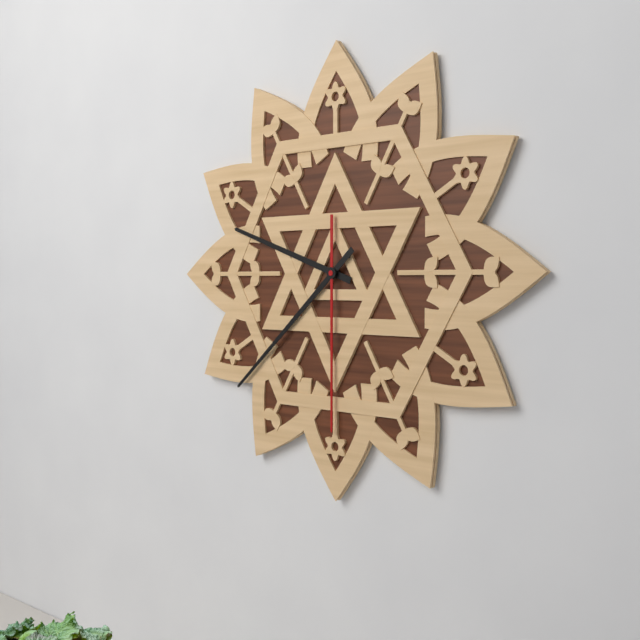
**9:38:30**
